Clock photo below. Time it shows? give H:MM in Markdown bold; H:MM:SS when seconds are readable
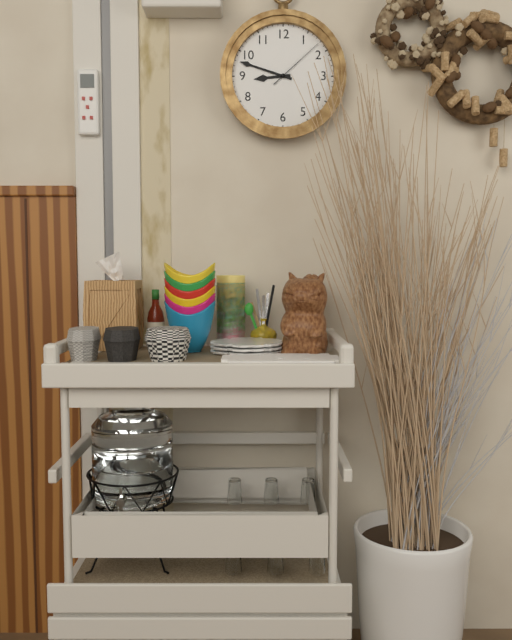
**8:48:08**
